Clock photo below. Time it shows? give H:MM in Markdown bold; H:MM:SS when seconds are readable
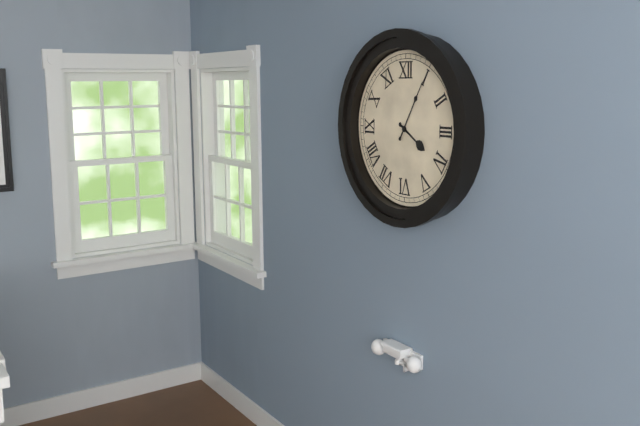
**4:05**
